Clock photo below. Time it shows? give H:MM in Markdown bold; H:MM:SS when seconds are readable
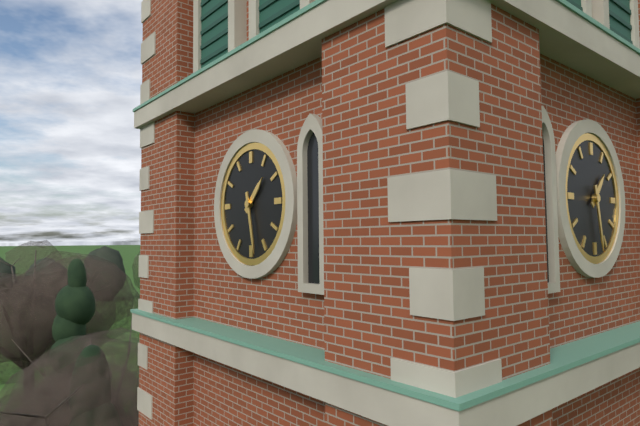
**1:28**
